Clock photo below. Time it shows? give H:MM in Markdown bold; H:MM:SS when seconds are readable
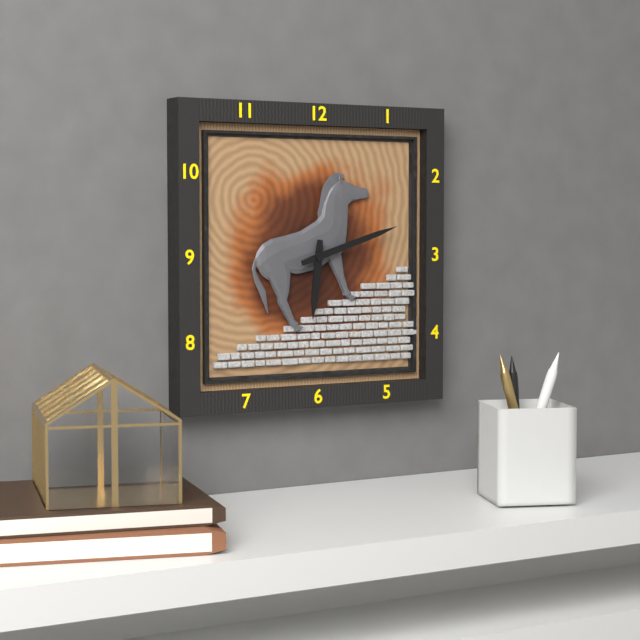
**6:12**
